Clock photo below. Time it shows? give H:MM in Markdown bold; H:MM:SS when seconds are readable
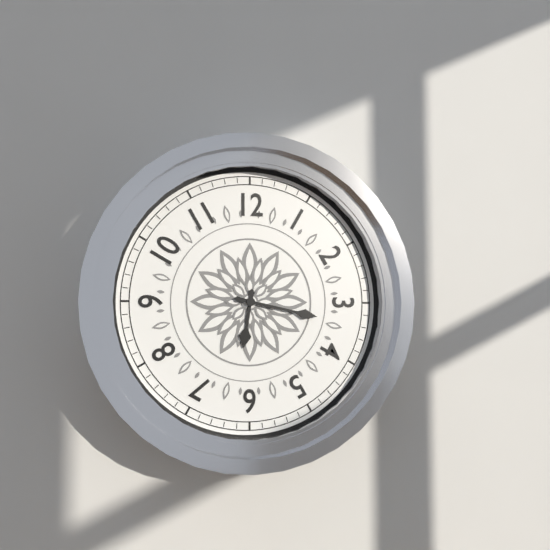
**6:17**
